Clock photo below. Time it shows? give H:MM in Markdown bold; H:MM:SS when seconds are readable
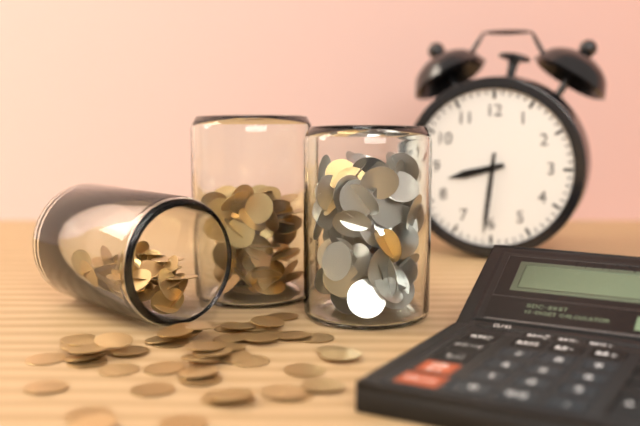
**8:31**
